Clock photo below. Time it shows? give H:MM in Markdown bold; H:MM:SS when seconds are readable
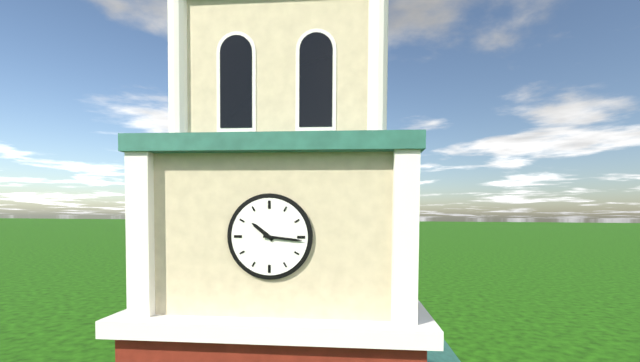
**10:16**
